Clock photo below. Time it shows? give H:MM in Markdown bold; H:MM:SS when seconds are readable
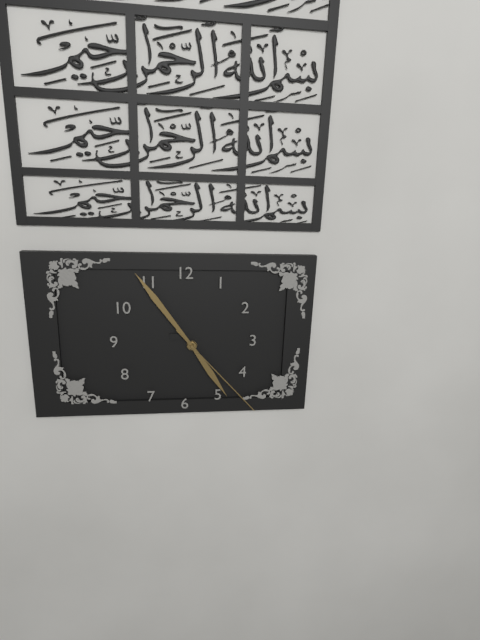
**4:54:23**
